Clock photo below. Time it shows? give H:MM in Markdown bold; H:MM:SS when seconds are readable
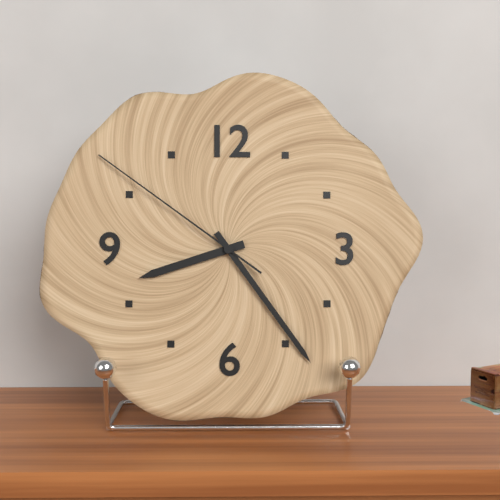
**8:24:51**
